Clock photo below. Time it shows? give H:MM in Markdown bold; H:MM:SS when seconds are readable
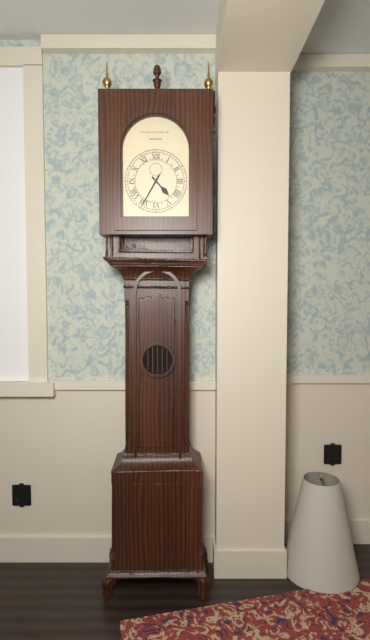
**4:35**
